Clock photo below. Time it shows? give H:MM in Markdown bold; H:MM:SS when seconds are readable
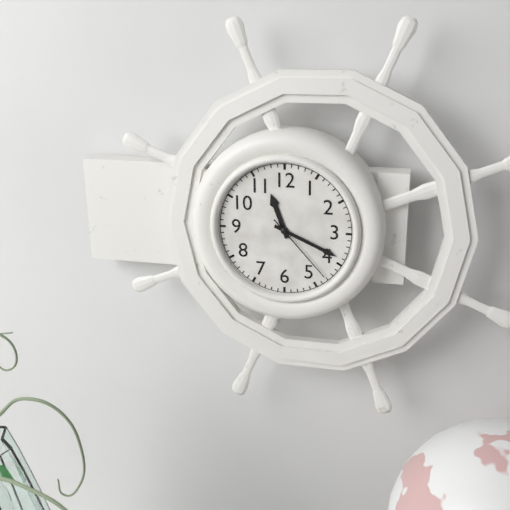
**11:19:23**
